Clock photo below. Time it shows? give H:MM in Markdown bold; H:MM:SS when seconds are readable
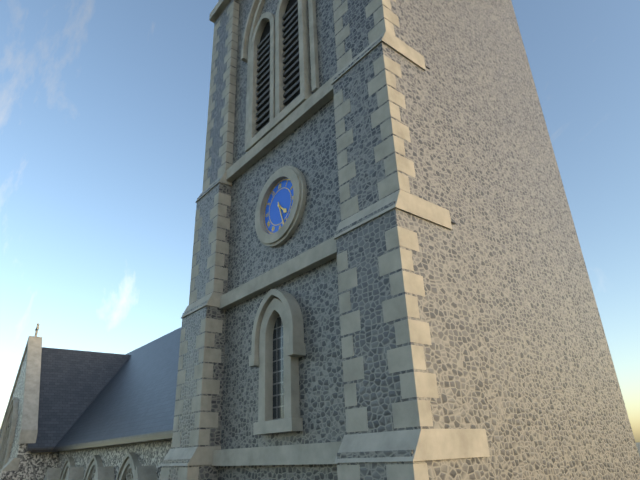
**4:27**
